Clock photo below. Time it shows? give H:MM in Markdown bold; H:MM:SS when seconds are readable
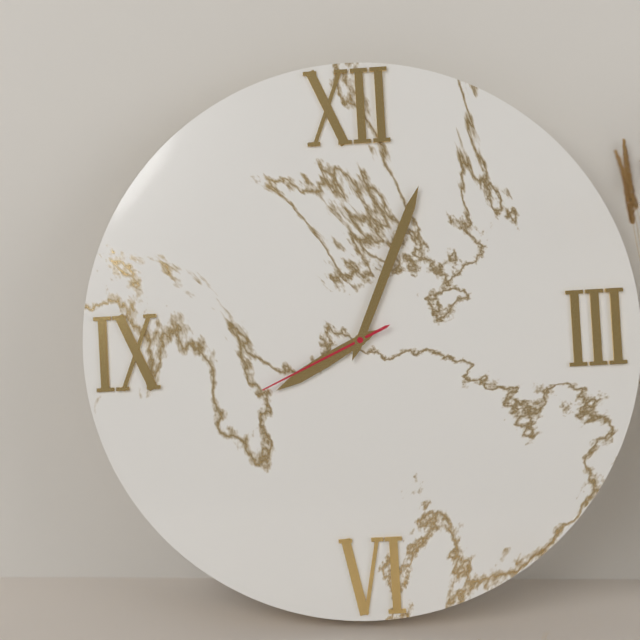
**8:04:41**
